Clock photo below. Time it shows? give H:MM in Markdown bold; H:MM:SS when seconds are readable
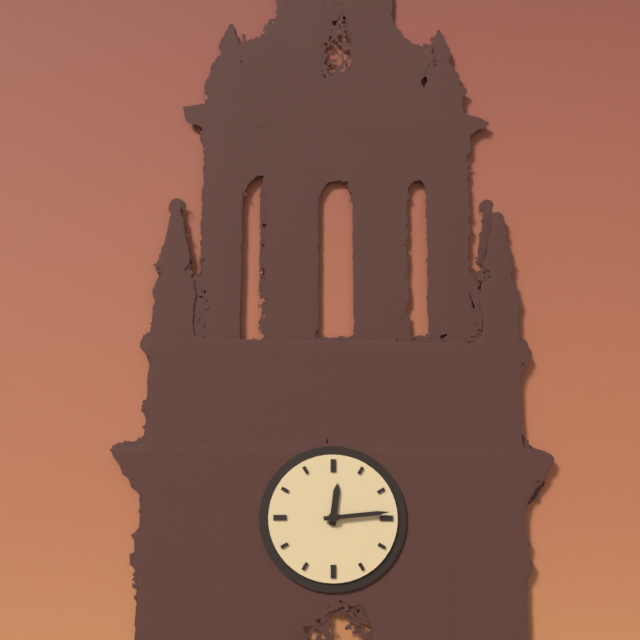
**12:14**
